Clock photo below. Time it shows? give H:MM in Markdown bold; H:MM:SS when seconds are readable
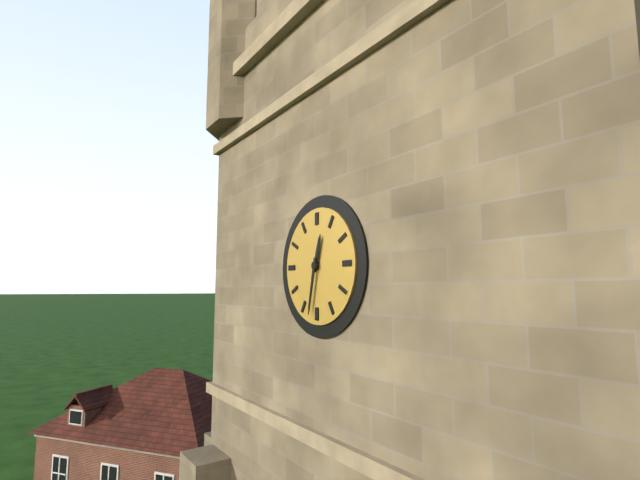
**12:32**
